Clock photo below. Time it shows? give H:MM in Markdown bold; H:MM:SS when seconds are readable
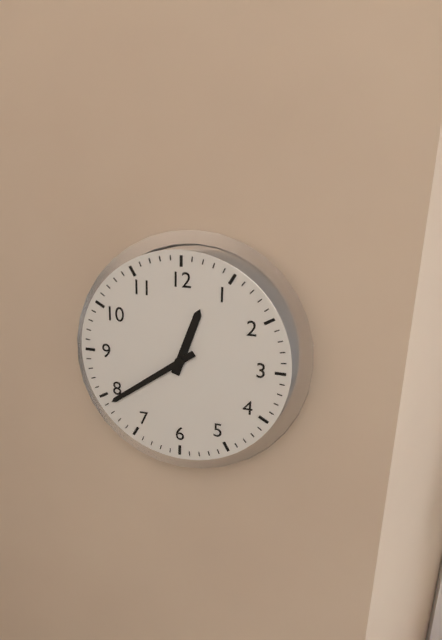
**12:39**
